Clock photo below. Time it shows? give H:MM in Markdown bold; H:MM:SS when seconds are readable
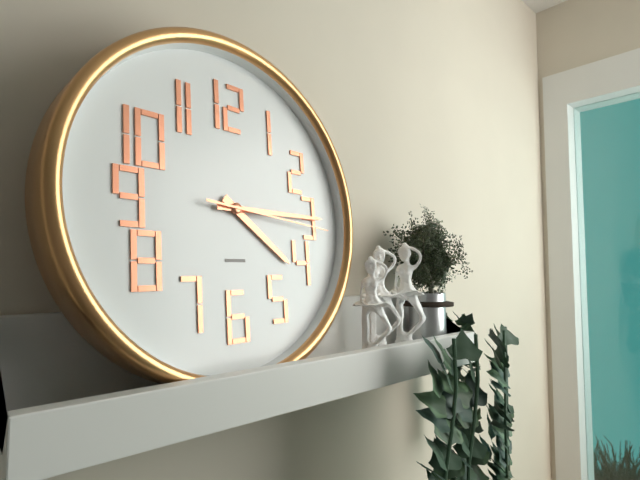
**4:15:16**
